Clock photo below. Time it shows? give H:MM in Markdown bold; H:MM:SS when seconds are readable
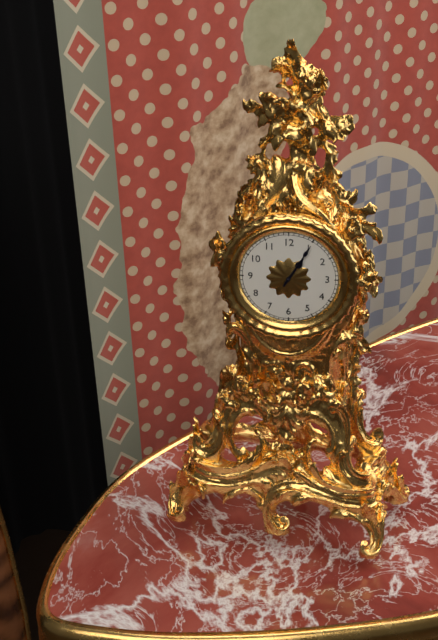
**1:05**
